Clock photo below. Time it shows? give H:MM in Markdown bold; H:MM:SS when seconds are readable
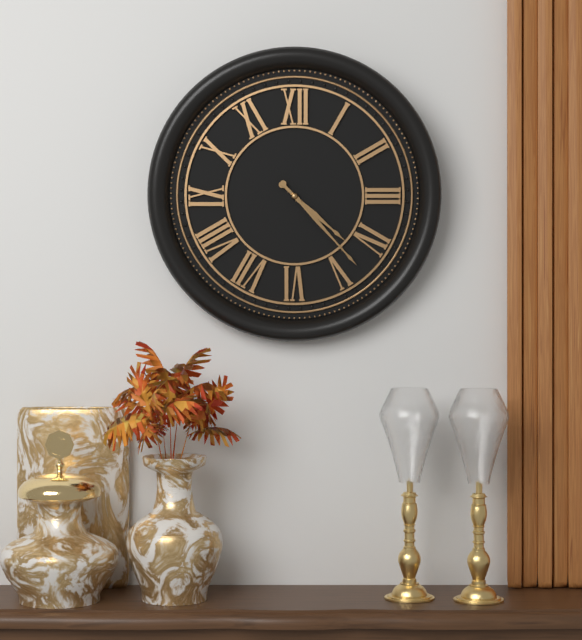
**4:23**
